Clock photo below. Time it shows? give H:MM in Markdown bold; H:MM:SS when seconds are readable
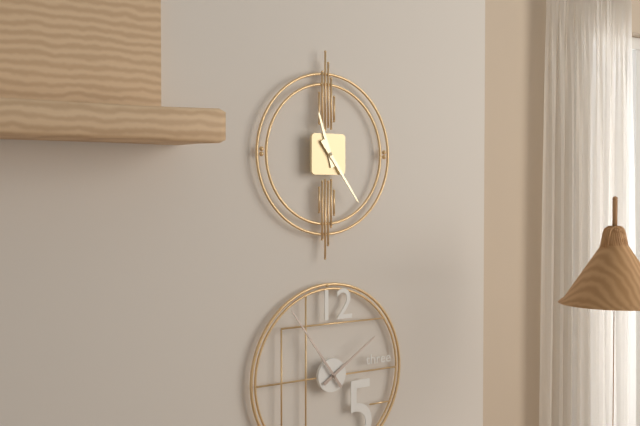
**11:24**
